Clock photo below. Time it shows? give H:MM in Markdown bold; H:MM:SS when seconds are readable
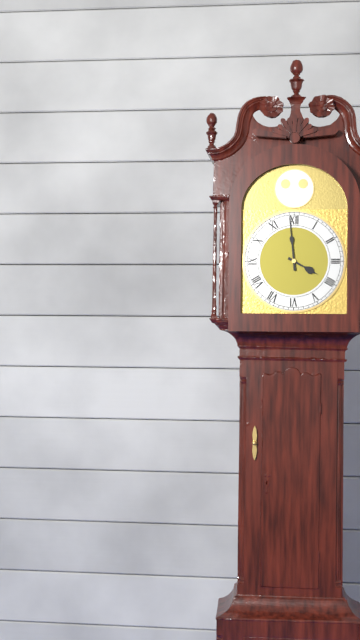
**3:59**
